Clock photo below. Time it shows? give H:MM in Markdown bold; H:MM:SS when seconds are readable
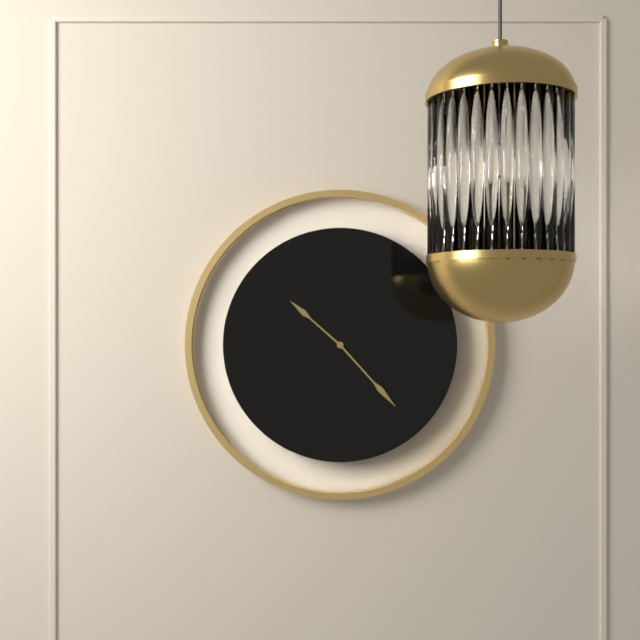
**10:23**
